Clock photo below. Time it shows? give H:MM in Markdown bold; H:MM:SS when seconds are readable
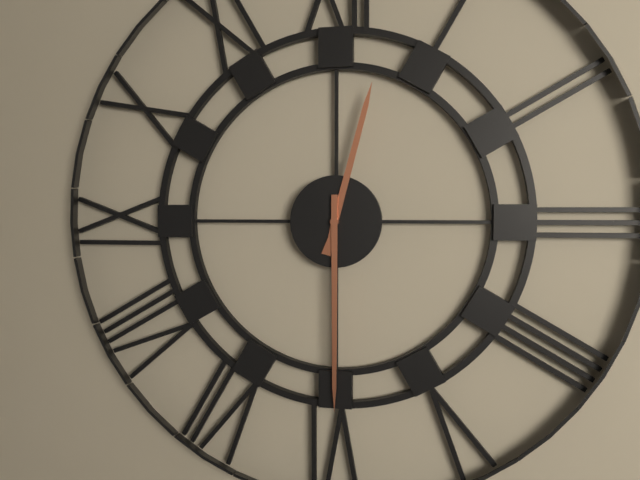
**12:30**
